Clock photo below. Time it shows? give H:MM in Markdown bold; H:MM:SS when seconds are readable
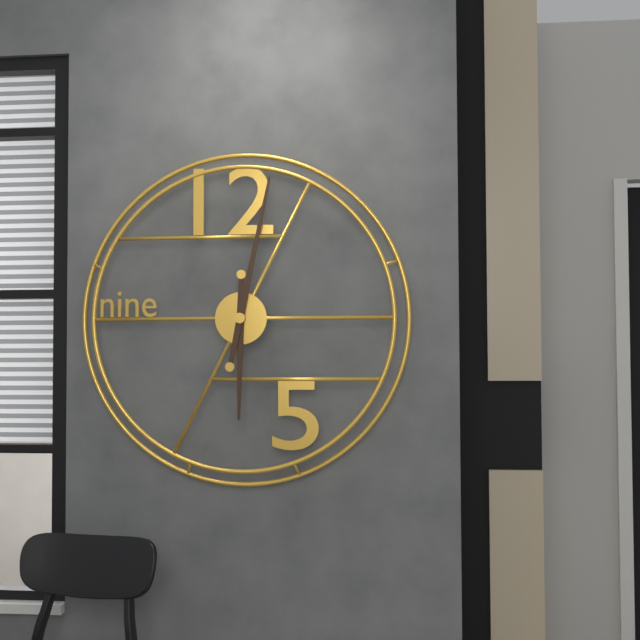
**6:02**
